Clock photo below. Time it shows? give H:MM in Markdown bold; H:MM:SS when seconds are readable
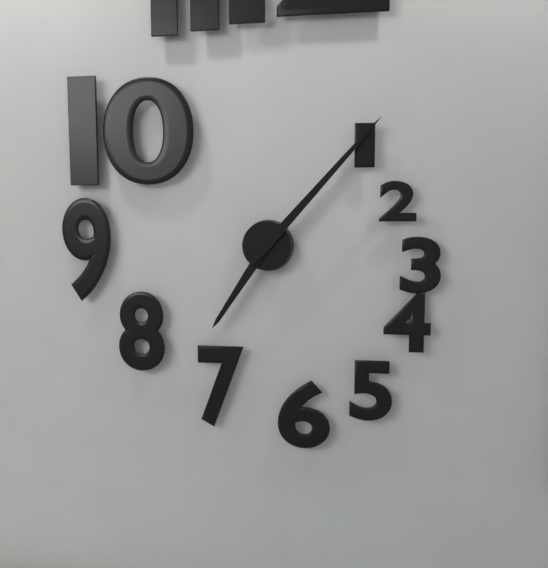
**7:07**
